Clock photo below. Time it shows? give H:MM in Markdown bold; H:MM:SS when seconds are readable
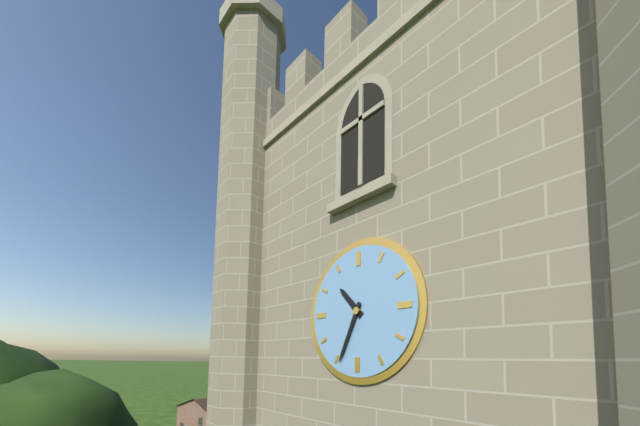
**10:34**
